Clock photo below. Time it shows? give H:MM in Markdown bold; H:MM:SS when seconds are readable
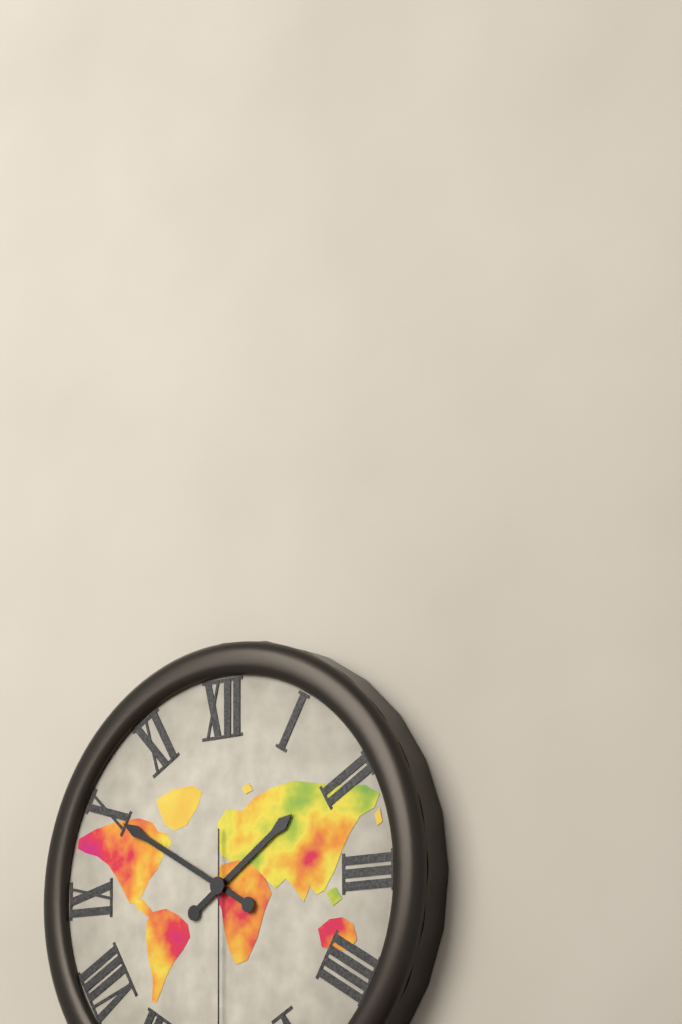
**1:50**
